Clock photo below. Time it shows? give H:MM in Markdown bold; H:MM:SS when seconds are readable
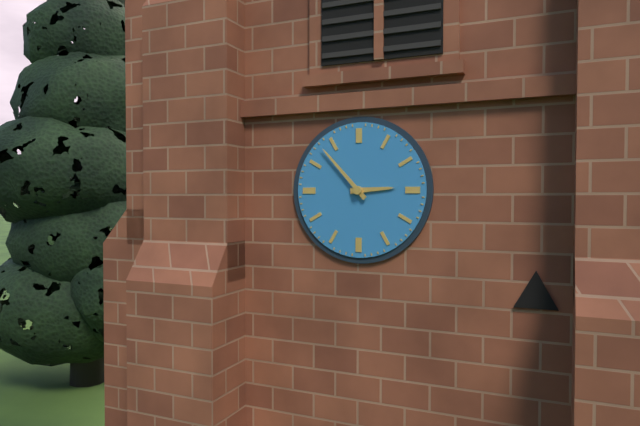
**2:53**
